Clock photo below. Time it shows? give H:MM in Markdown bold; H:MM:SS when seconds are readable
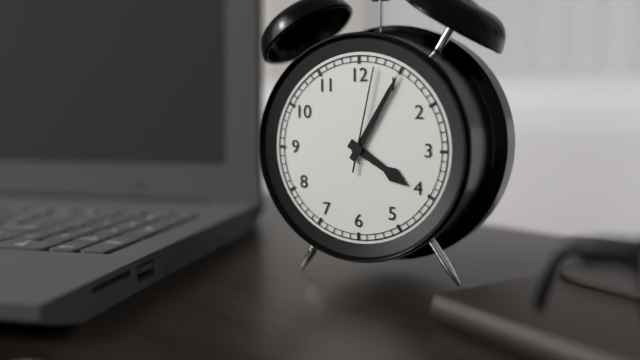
**4:05:02**
